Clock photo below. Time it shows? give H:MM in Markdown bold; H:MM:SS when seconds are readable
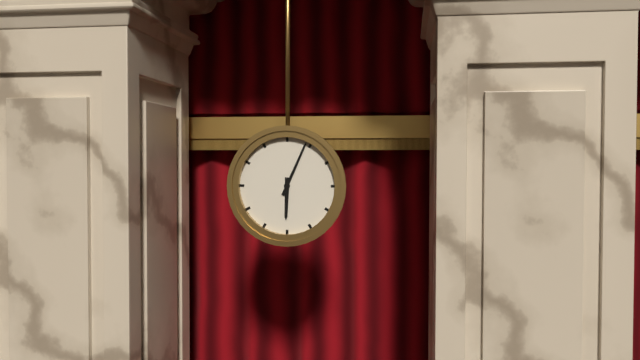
**6:04**
